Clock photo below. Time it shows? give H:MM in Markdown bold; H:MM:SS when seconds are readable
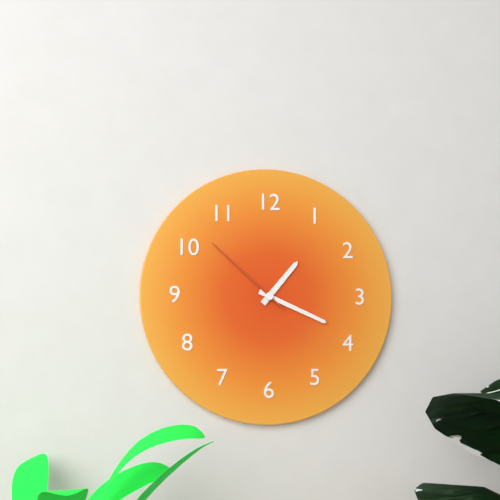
**1:19:52**
